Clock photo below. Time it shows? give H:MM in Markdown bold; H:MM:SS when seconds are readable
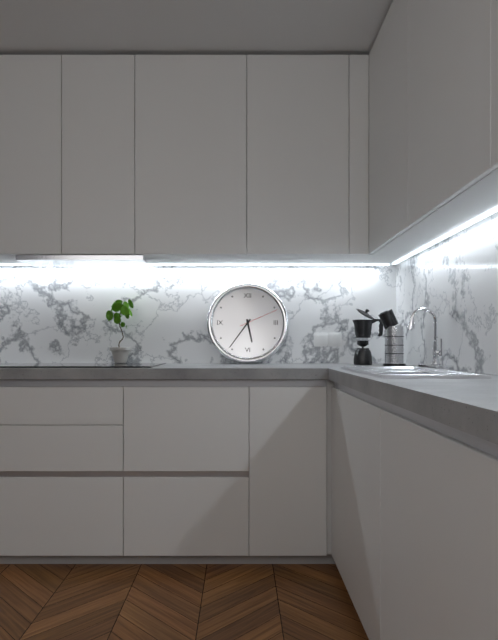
**5:36**
